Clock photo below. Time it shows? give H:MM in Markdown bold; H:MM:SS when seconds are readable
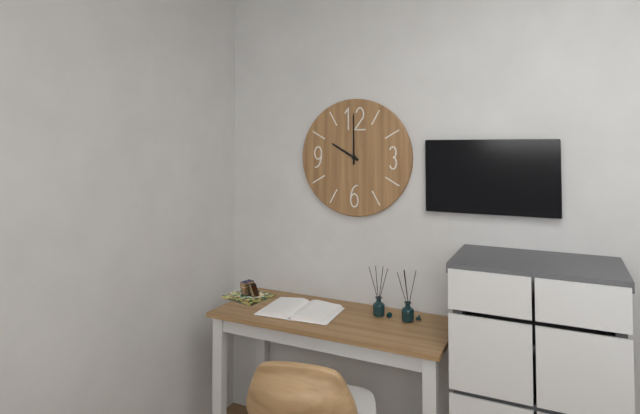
**10:00**
